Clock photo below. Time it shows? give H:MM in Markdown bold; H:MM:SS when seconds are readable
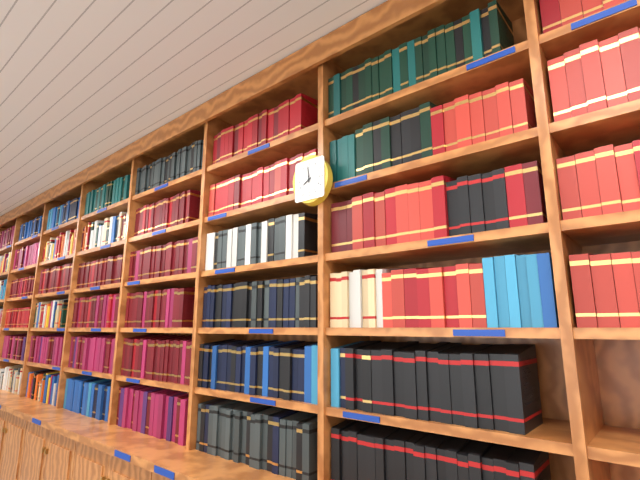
**7:59**
